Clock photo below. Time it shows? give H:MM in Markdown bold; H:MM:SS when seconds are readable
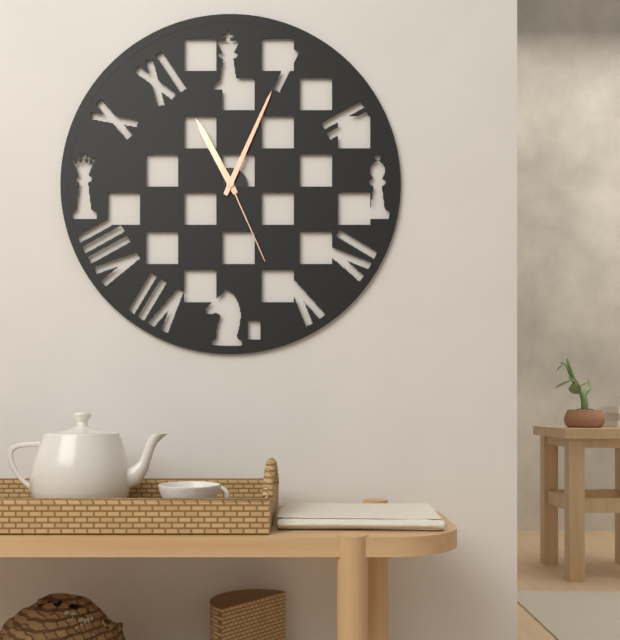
**11:04:26**
